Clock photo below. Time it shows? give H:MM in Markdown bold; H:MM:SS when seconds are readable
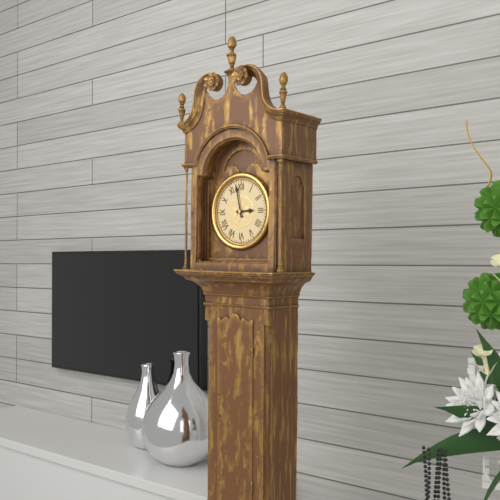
**2:58**
